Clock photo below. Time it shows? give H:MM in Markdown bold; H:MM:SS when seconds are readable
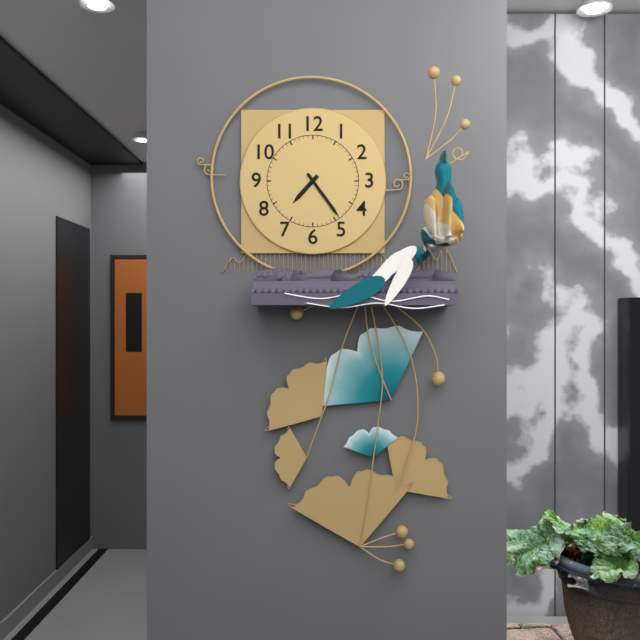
**7:24**
